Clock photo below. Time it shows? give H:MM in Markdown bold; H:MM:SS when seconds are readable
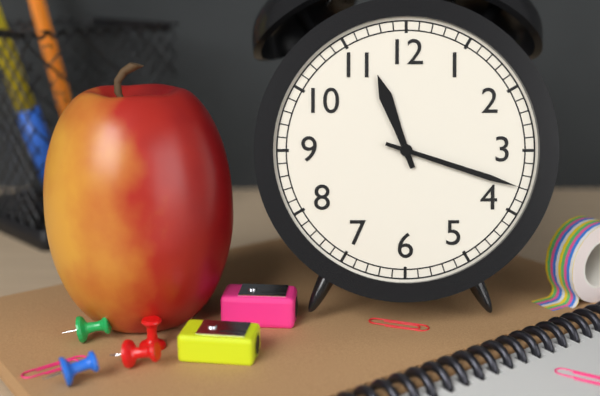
**11:18**
